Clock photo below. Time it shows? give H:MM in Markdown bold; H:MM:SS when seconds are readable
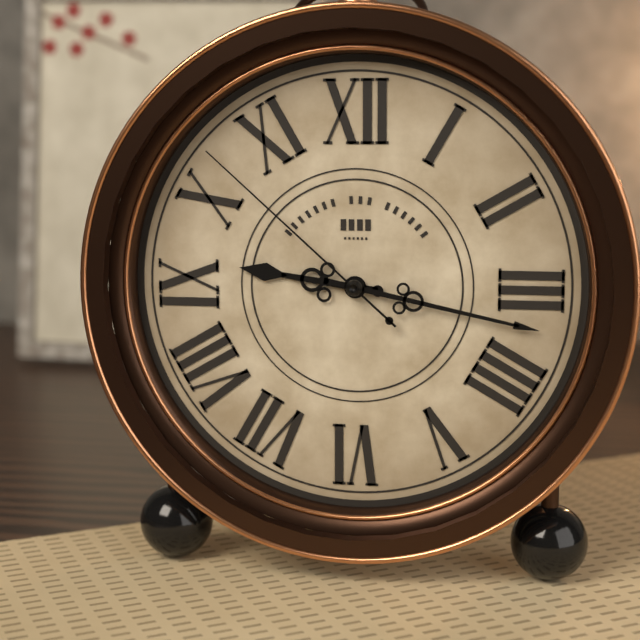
**9:17:52**
